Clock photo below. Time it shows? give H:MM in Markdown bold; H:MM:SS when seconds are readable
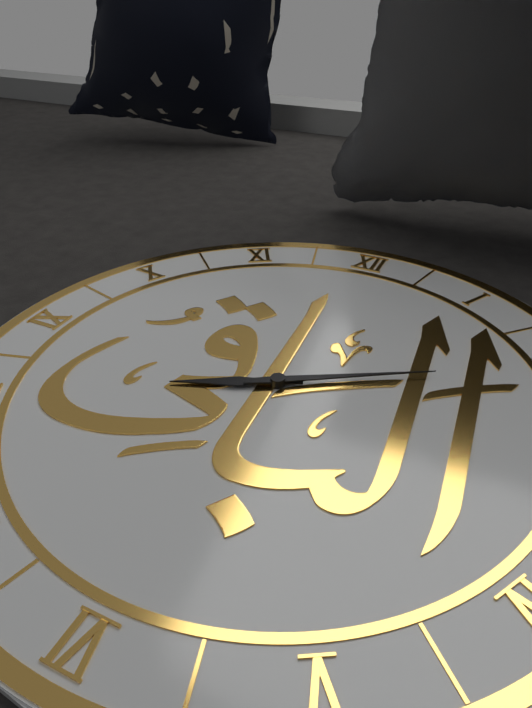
**8:10**
